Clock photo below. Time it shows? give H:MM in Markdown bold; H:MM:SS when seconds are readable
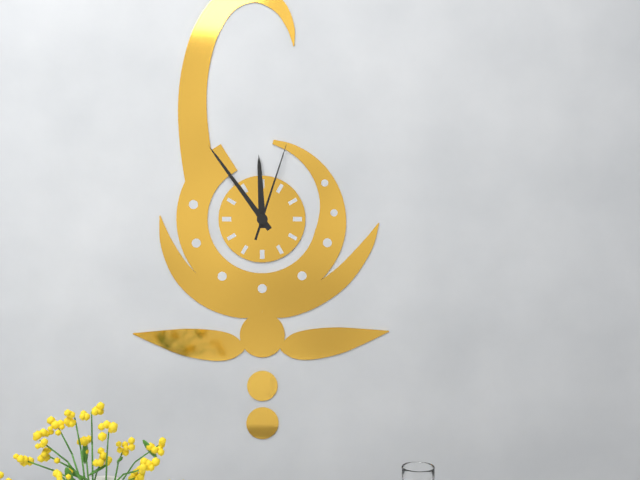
**11:54:03**
